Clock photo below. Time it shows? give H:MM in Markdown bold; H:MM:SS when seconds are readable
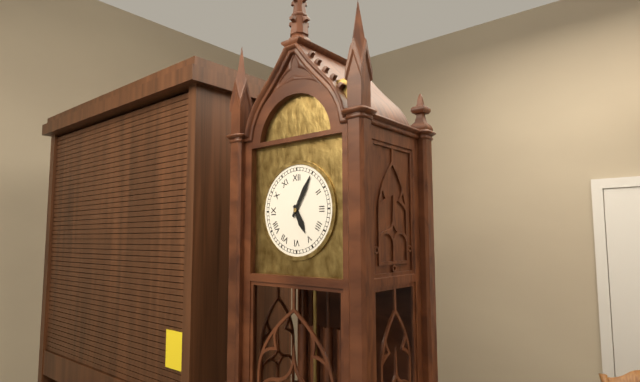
**5:05**
